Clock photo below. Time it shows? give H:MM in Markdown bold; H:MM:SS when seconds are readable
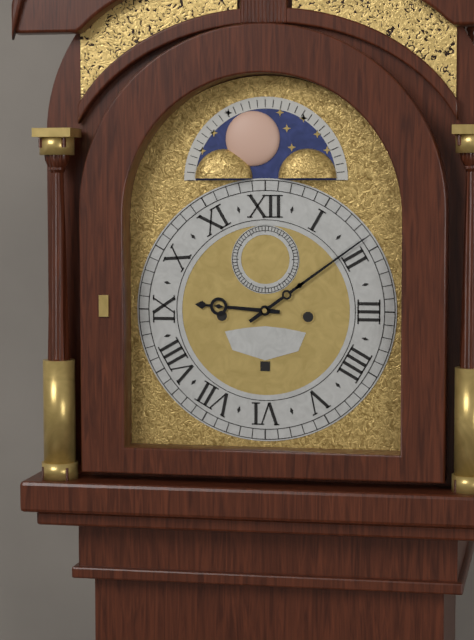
**9:09**
